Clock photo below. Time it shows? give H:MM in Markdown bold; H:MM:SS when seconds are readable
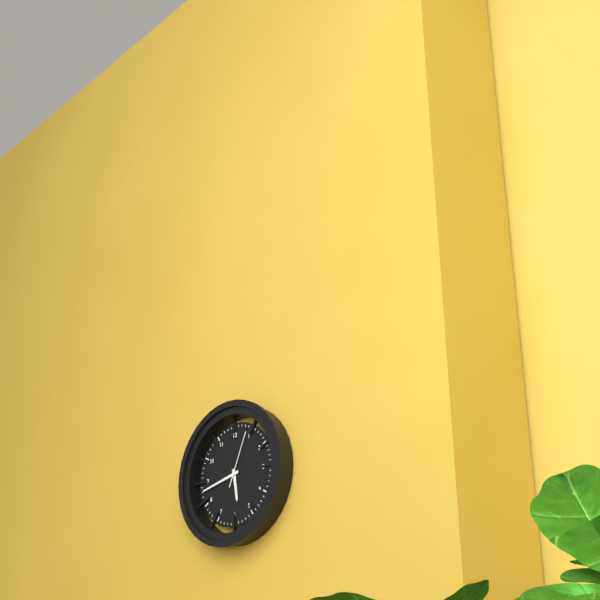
**5:43:04**
